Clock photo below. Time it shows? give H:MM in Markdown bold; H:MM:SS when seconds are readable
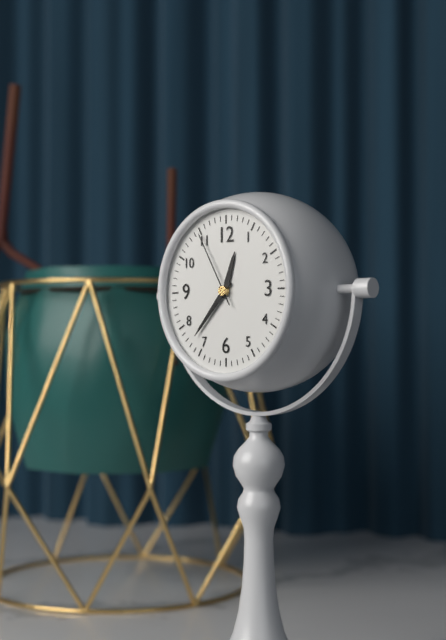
**12:37:55**
